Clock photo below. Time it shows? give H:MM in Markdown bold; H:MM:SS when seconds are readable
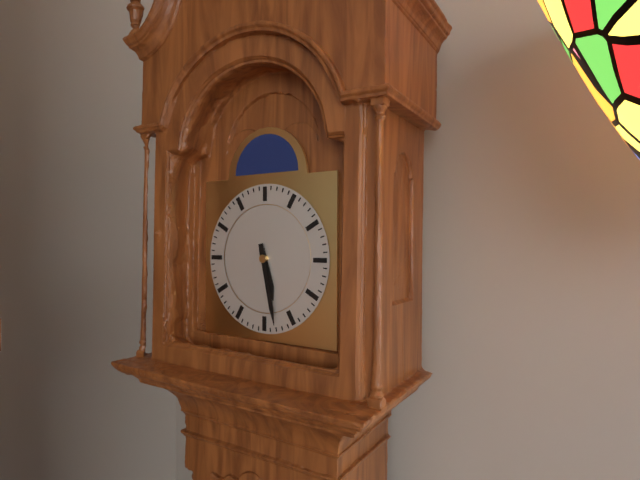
**5:28**
